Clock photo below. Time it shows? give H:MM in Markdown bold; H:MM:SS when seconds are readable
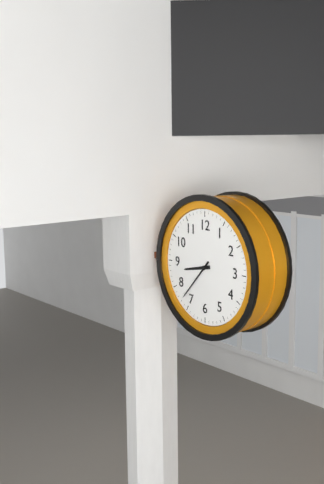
**8:37**
